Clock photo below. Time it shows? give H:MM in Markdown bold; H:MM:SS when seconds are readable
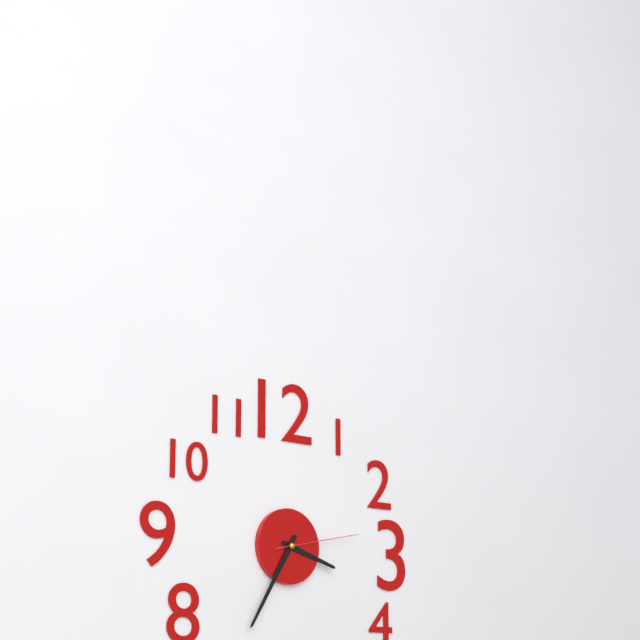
**3:35:13**
